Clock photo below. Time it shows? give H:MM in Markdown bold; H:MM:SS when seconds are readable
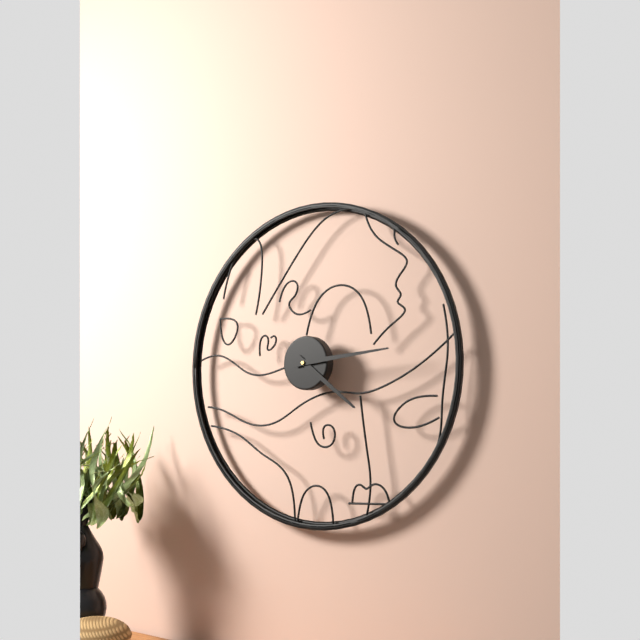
**4:14**
